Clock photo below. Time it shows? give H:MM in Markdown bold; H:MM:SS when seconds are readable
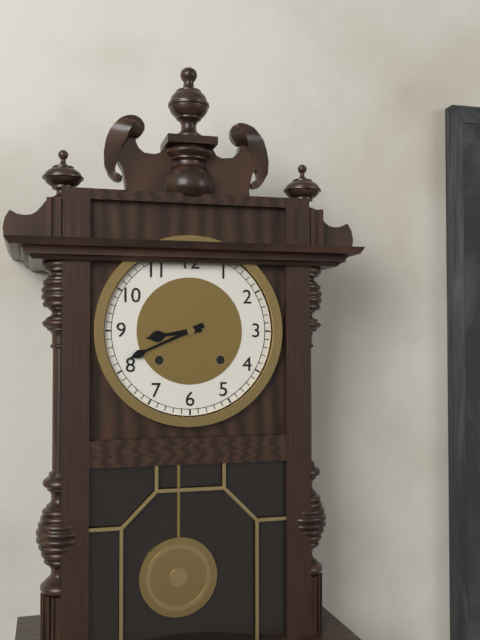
**8:41**
